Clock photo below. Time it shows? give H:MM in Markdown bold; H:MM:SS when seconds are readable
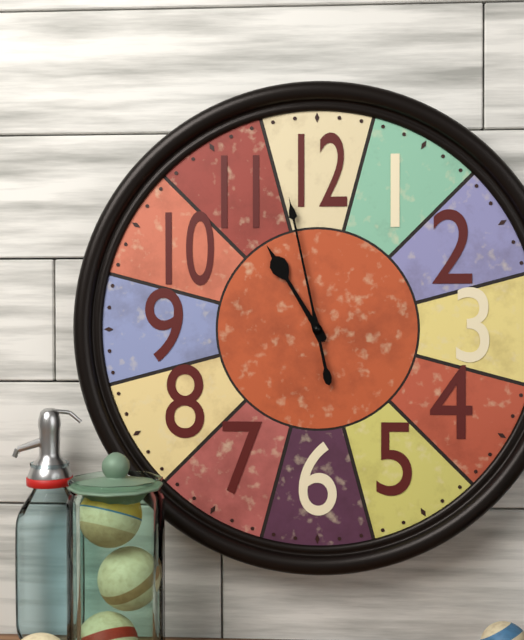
**10:58**
